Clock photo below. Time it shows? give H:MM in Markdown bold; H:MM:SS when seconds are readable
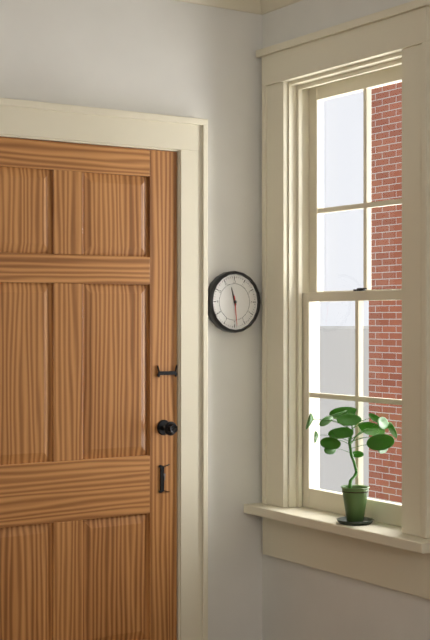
**11:29**
